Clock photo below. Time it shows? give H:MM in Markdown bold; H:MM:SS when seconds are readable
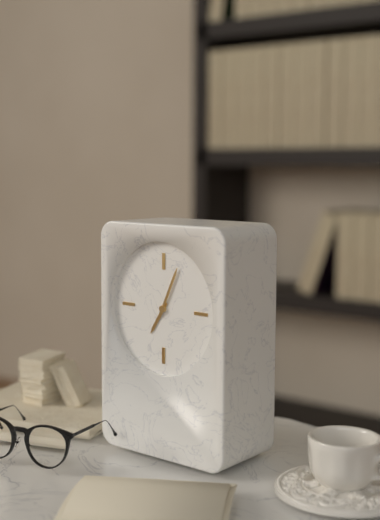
**7:04**
